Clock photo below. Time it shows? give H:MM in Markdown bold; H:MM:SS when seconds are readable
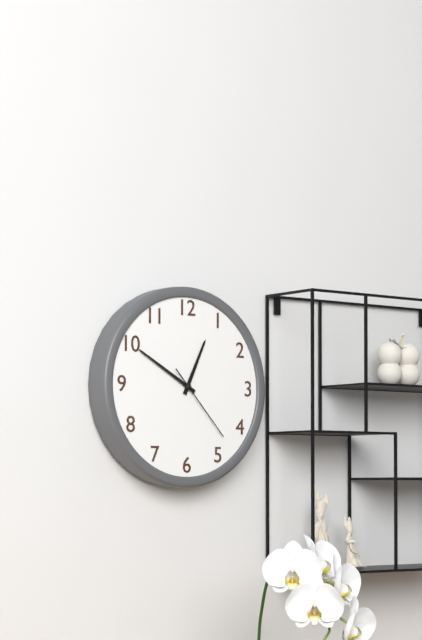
**12:50:23**
